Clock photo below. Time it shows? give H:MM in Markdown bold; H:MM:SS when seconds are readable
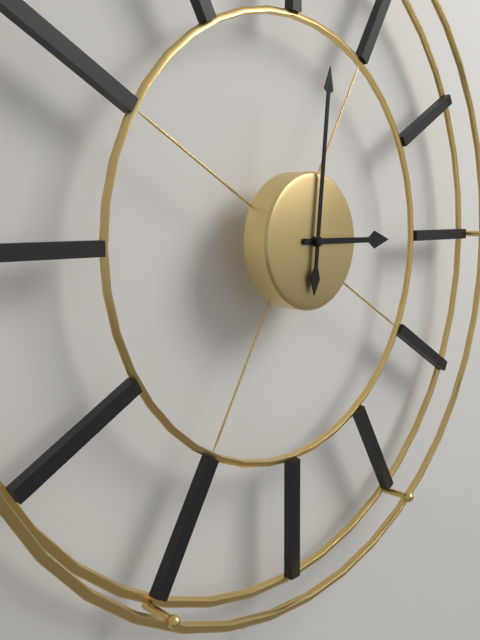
**3:01**
